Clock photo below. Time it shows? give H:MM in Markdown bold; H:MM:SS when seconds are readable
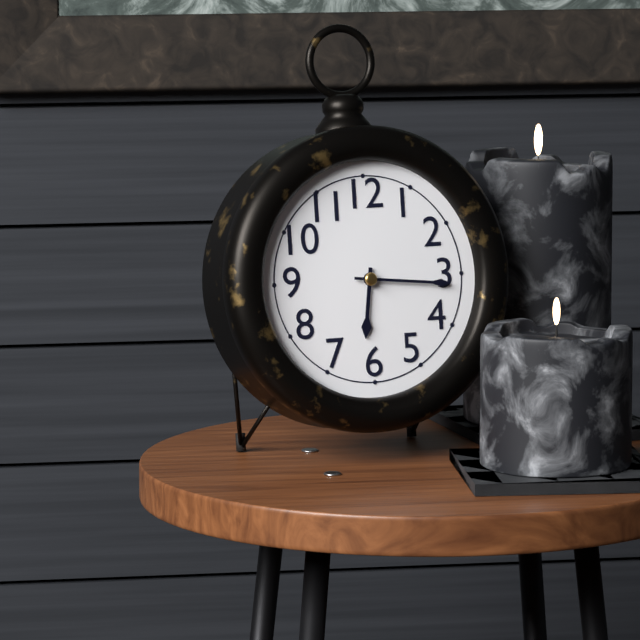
**6:16**
